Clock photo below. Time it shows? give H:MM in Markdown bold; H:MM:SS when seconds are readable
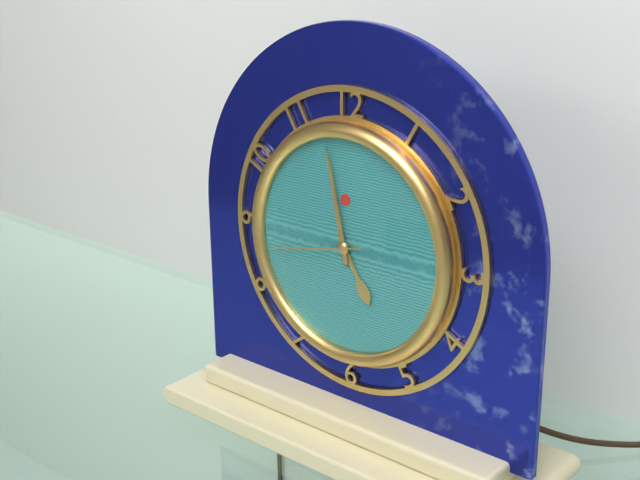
**4:58:43**
